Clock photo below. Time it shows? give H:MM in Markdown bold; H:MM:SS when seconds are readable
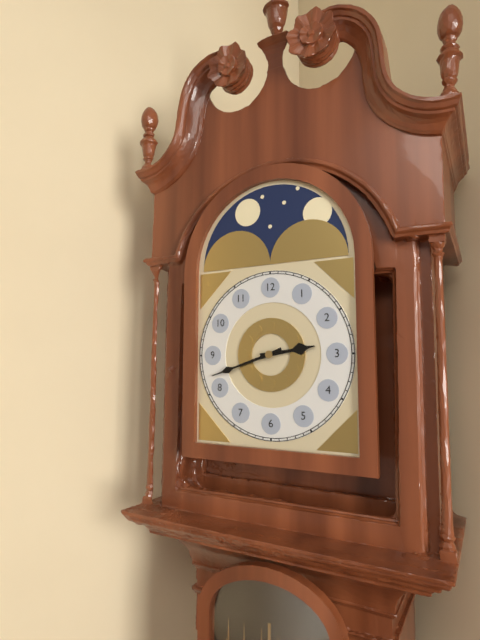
**2:42**
